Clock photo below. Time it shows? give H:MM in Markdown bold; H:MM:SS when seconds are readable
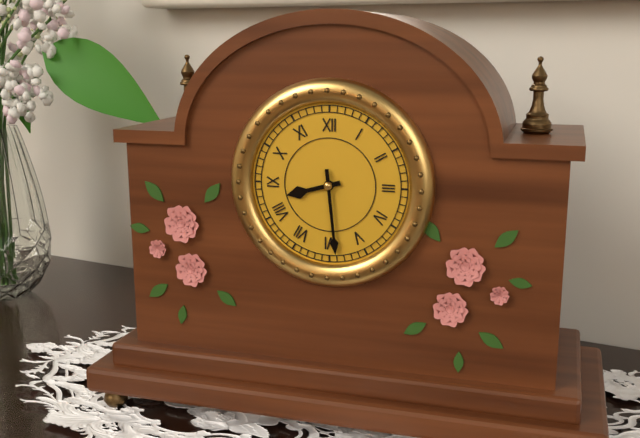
**8:29**
